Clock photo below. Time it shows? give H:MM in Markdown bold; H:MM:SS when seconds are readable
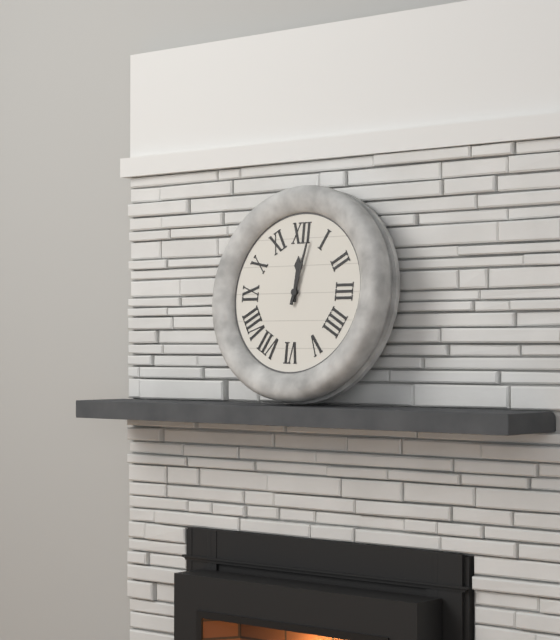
**12:02**
